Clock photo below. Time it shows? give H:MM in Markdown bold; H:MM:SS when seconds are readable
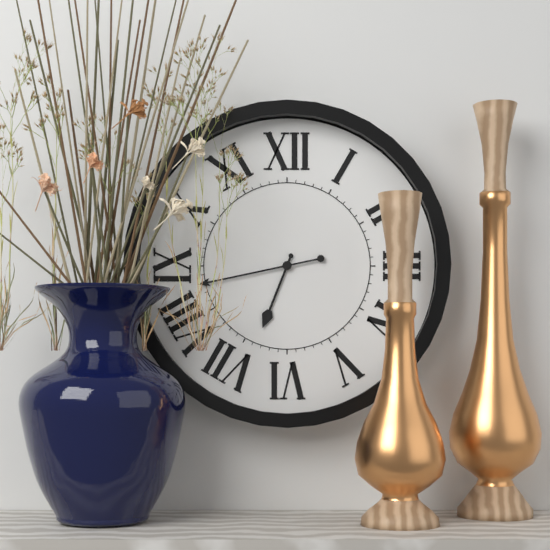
**6:43**
